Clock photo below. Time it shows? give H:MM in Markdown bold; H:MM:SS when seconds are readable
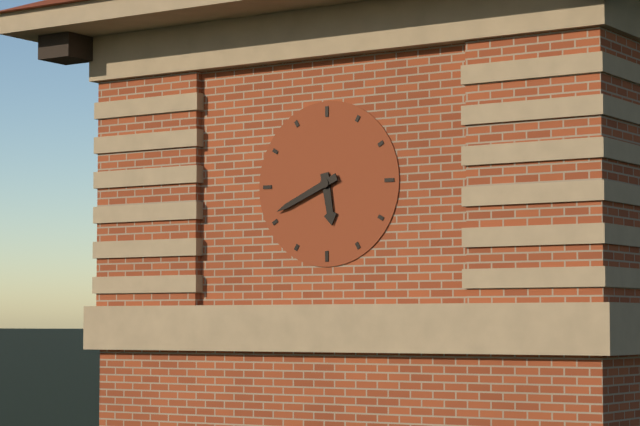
**5:41**
